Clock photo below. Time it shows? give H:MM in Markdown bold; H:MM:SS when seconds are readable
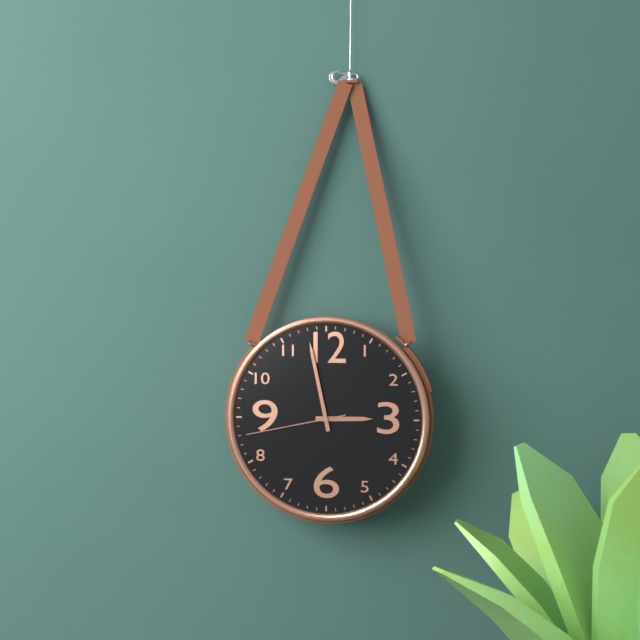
**2:58:43**
